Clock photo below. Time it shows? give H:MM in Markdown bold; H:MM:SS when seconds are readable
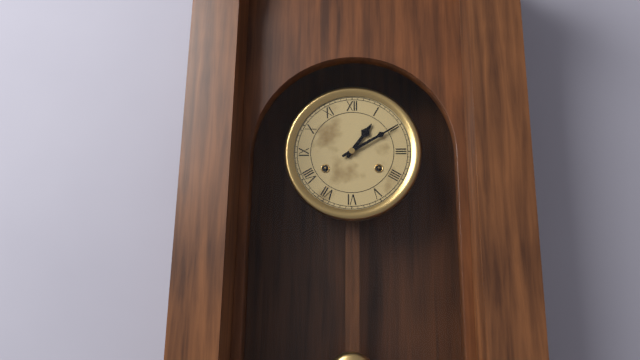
**1:10**
